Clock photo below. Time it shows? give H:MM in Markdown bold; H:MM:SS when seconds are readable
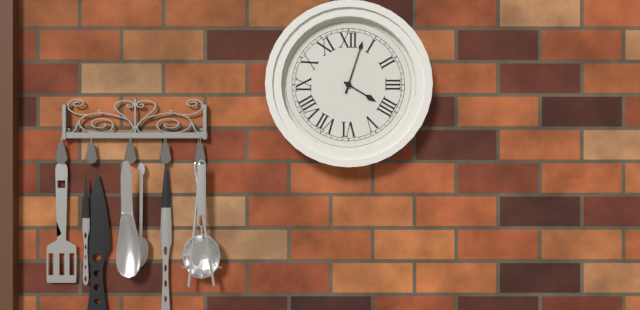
**4:03**
